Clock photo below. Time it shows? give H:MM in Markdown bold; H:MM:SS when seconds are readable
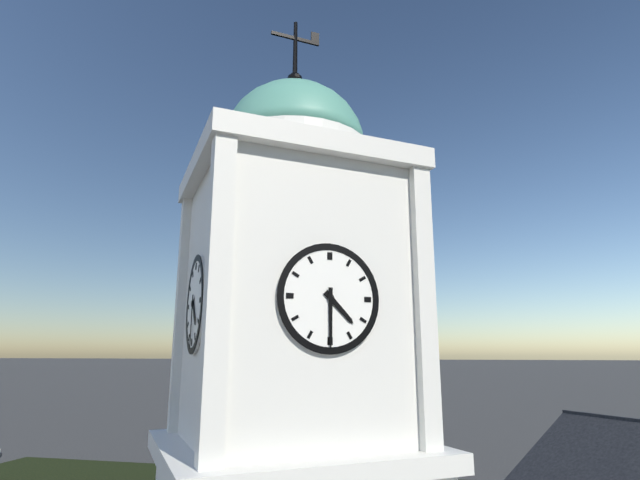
**4:30**
